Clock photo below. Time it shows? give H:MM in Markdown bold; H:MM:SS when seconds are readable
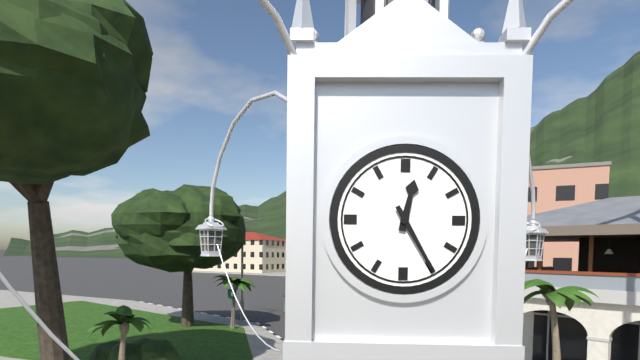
**12:25**
